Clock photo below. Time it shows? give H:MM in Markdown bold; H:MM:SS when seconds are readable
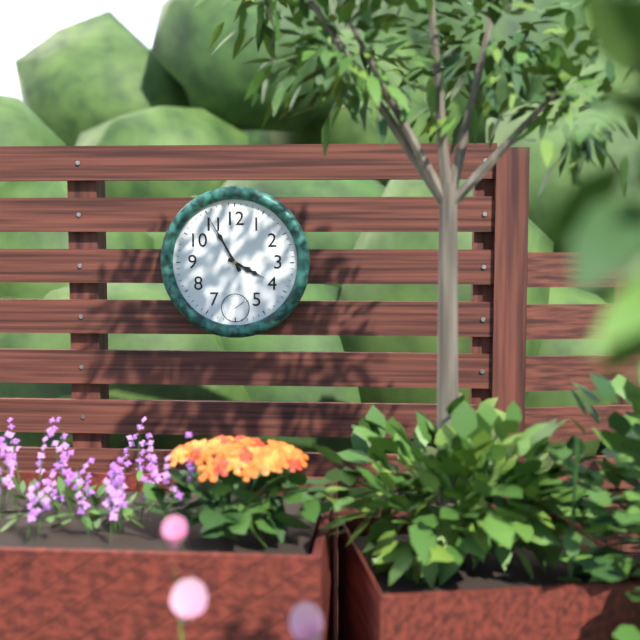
**3:55**
